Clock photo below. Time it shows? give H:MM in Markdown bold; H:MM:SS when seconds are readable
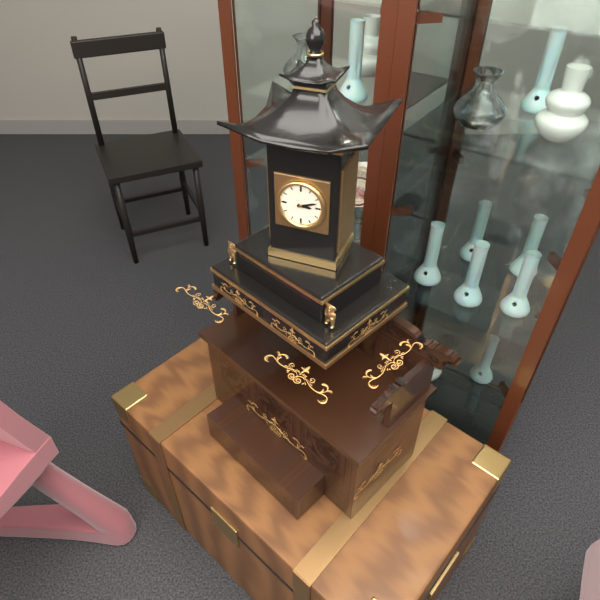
**3:12**
